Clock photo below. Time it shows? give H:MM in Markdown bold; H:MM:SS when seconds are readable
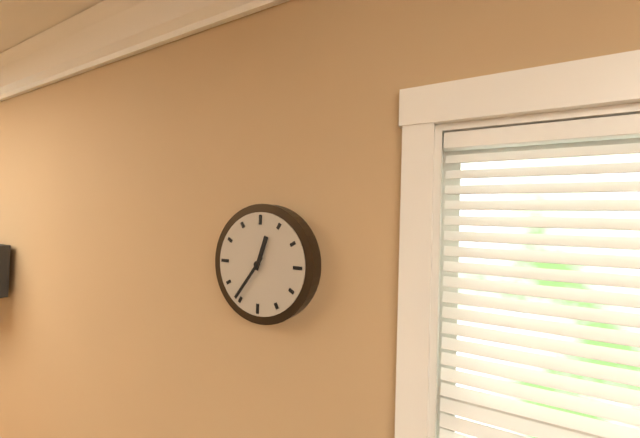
**12:36**
